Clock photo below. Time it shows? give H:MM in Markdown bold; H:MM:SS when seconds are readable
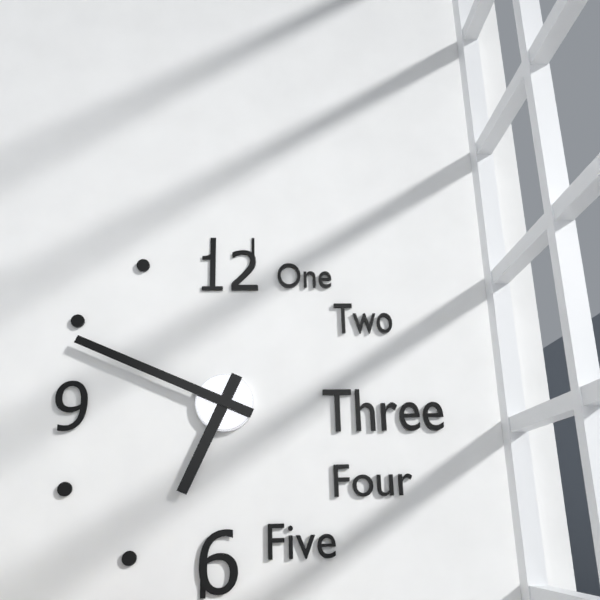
**6:49**
